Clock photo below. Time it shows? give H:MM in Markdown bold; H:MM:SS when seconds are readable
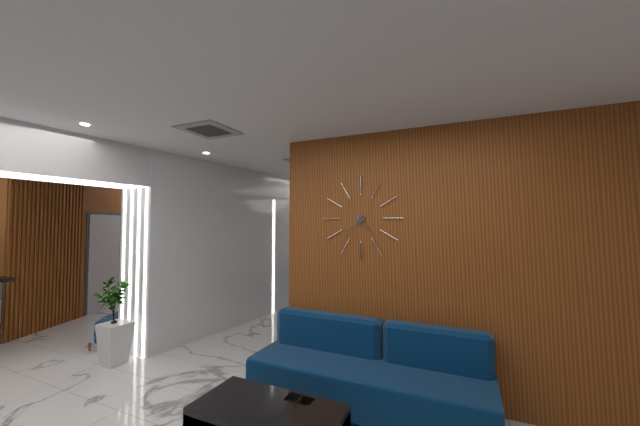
**4:37**
